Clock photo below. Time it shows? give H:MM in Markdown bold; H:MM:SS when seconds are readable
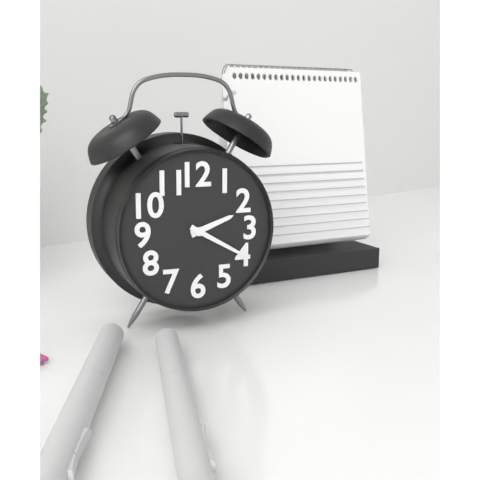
**2:20**
